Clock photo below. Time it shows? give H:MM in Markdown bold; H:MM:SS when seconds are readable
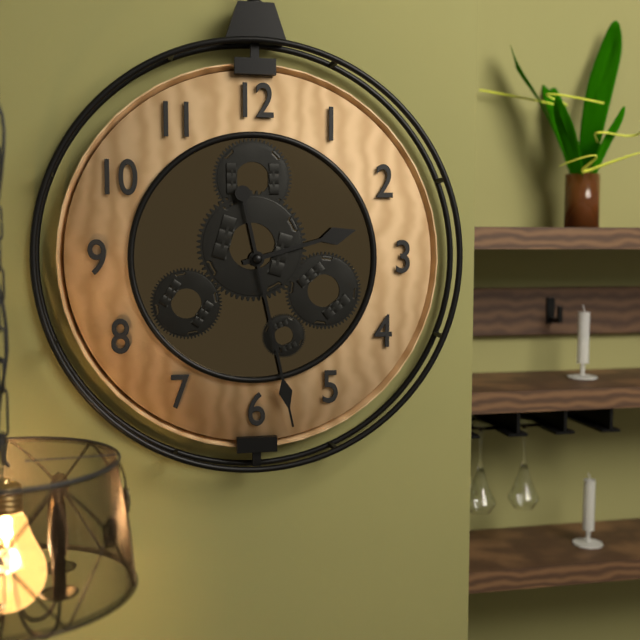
**2:28**
